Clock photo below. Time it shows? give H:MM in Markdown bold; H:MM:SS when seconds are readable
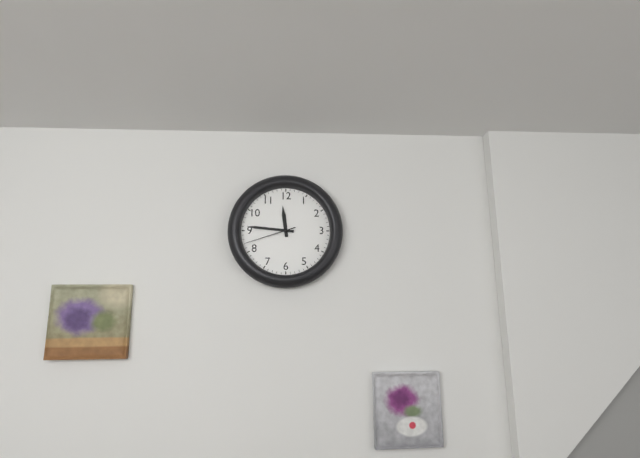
**11:46:42**
